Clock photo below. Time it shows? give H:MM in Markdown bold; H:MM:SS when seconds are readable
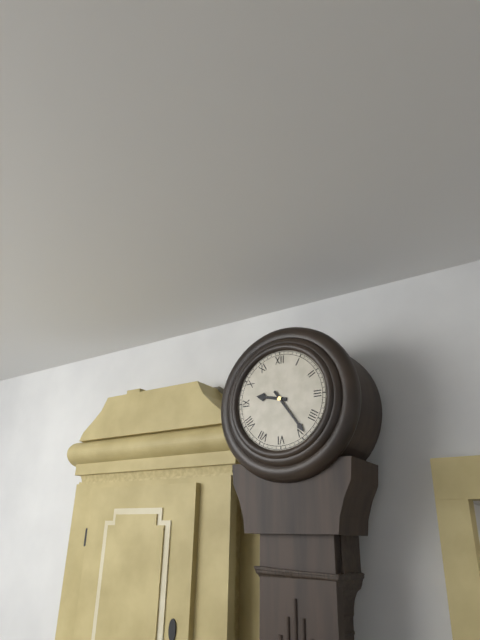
**9:24**
